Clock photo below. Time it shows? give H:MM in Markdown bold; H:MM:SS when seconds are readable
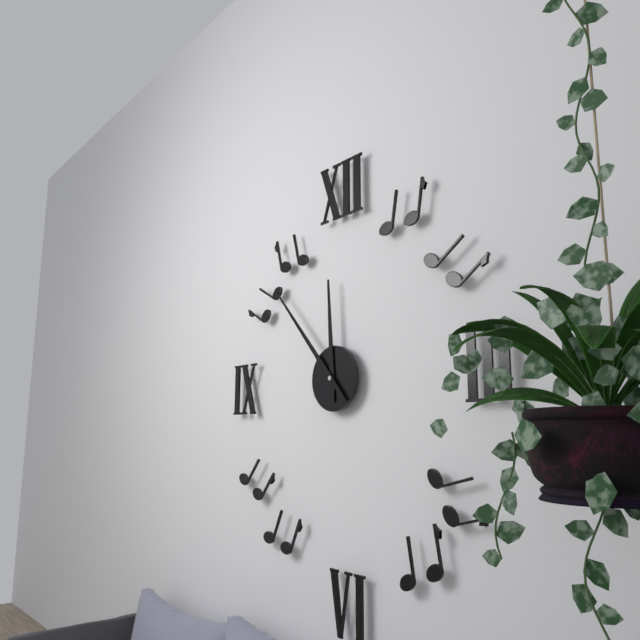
**11:53**
